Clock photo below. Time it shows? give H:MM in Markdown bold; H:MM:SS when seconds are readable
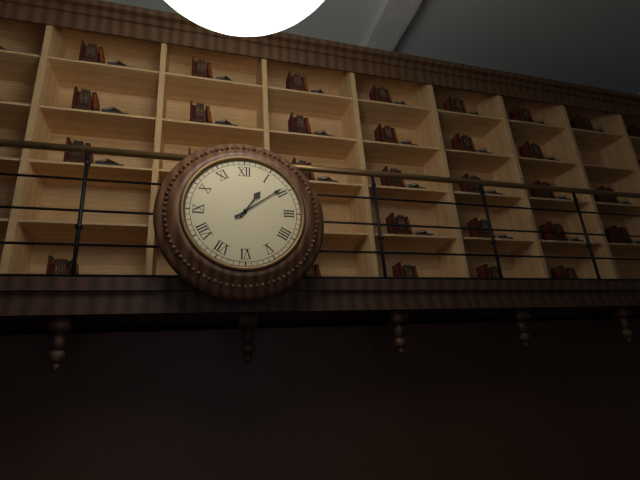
**1:09**
